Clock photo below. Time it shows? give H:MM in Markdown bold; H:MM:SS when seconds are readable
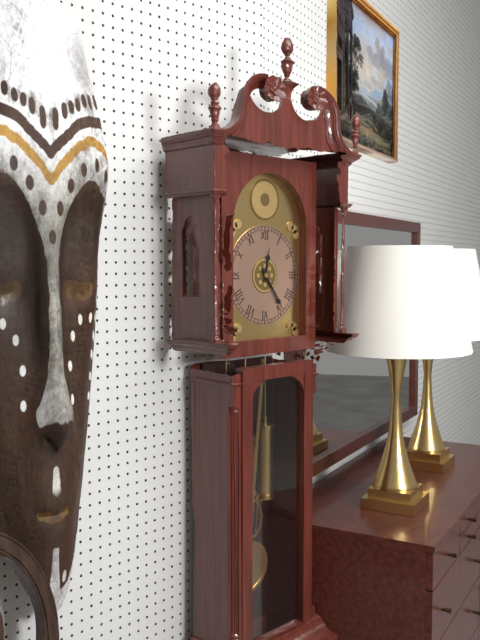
**12:24**
